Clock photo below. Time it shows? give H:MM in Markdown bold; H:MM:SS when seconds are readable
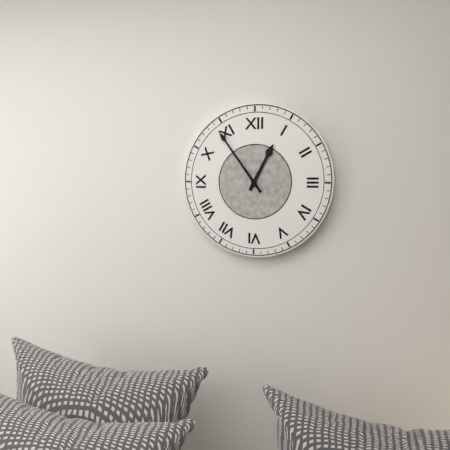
**12:54**
